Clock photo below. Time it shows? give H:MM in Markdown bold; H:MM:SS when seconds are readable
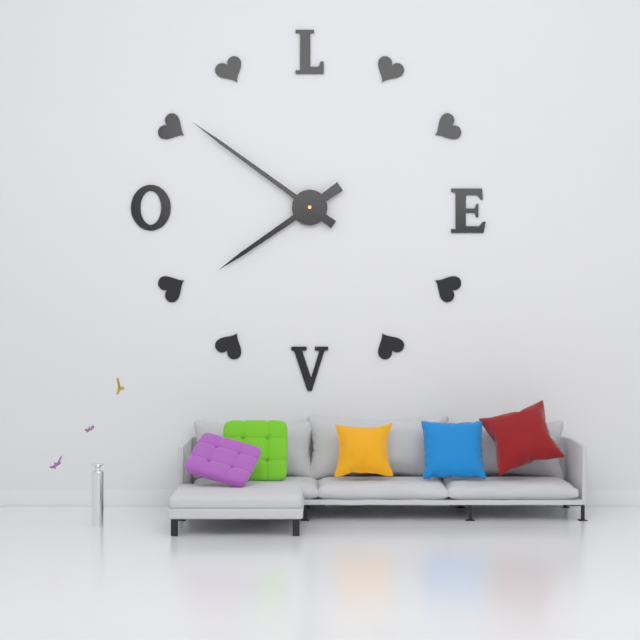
**7:51**
